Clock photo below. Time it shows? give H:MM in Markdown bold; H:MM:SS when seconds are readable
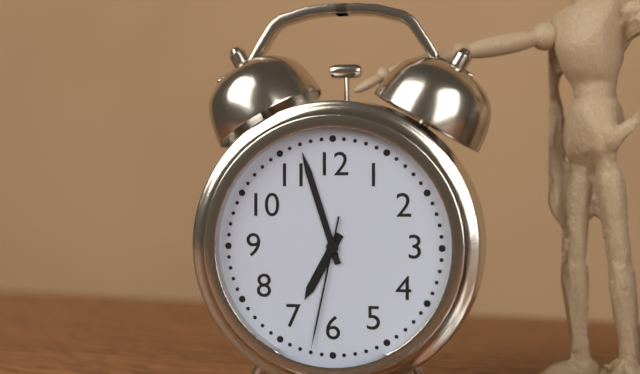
**6:57:32**
